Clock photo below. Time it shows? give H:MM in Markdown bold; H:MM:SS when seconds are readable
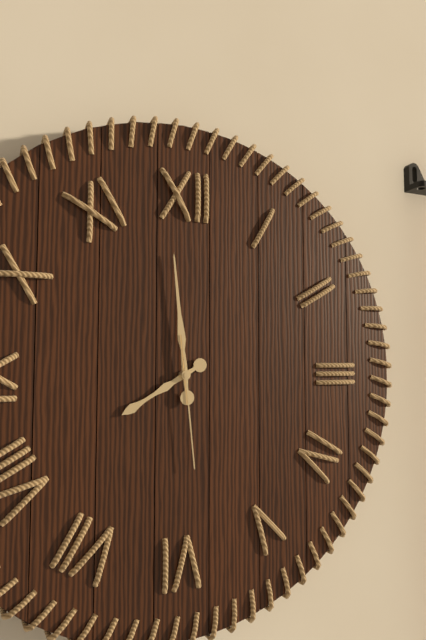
**7:59:29**
